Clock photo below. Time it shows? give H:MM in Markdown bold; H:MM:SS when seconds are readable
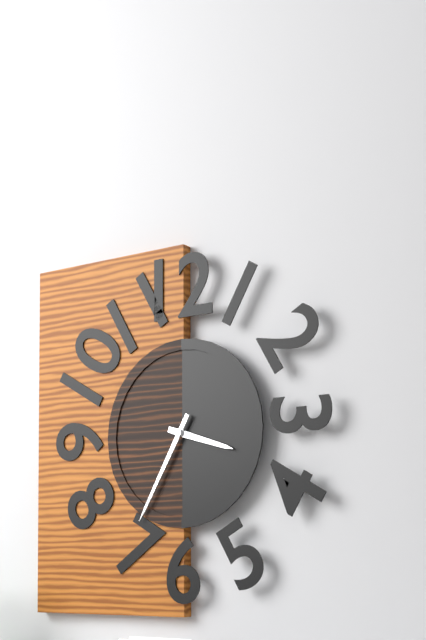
**3:35**
